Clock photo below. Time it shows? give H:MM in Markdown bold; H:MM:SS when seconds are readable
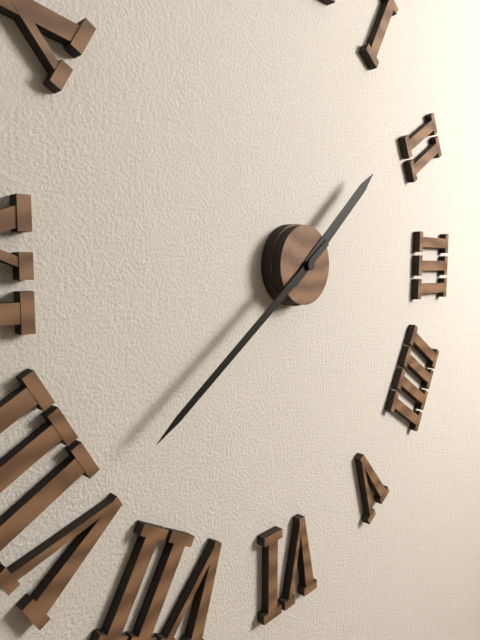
**1:39**
